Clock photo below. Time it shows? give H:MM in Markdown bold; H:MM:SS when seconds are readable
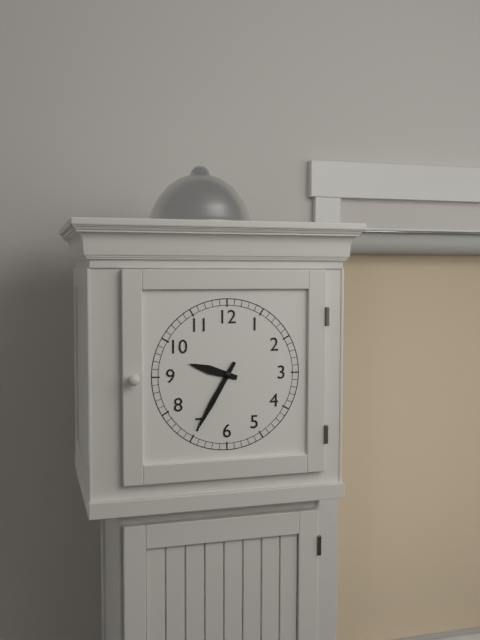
**9:35**
